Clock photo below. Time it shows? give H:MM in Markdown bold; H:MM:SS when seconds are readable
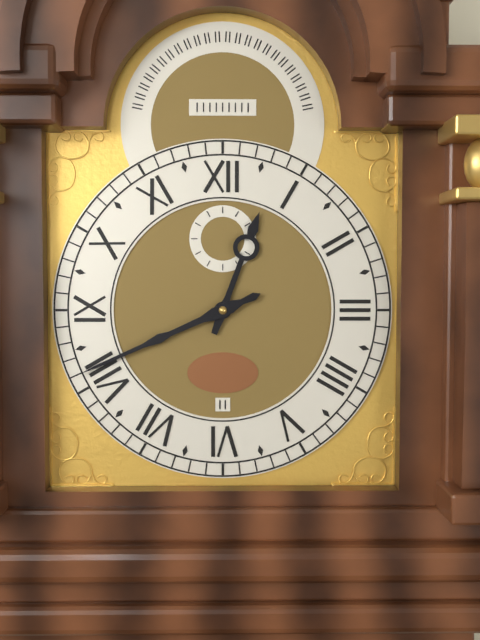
**12:41**
